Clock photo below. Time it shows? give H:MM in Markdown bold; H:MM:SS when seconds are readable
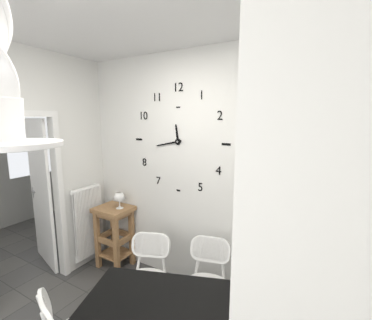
**11:43**
